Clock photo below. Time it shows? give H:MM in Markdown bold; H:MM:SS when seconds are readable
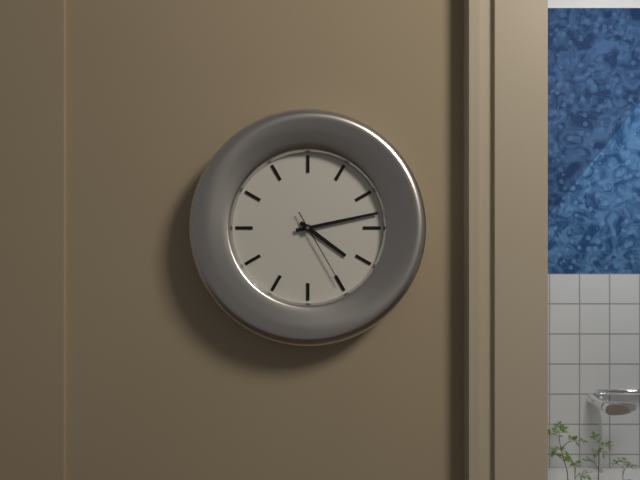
**4:13:25**
